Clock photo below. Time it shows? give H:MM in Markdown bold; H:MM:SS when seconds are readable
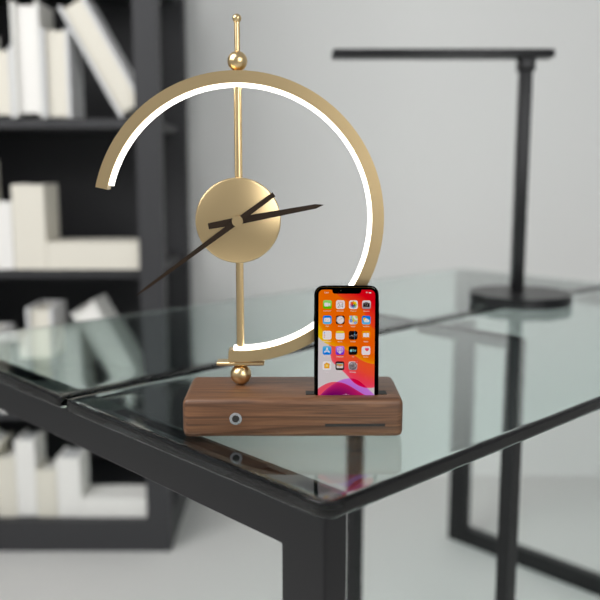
**2:39**
